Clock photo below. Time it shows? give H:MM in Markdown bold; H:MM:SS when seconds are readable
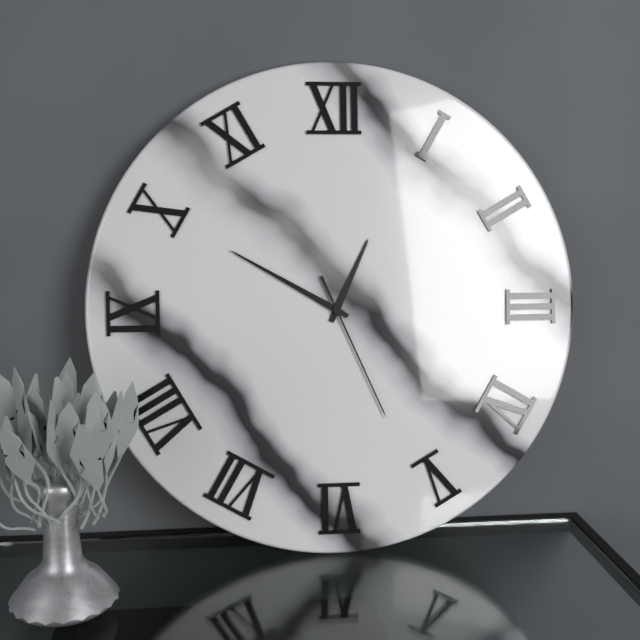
**12:50:26**
